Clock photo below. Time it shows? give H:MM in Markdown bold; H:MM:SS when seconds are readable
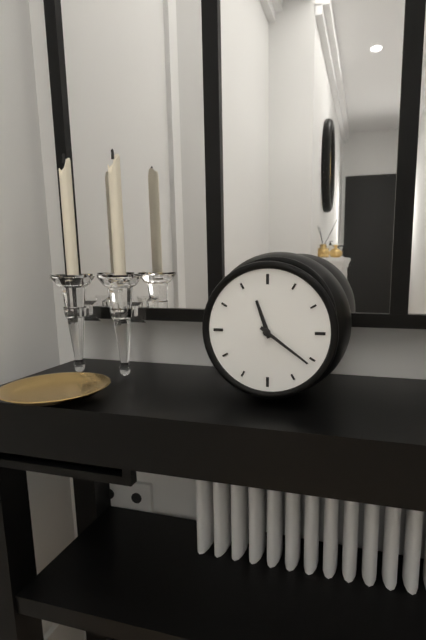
**11:21**
